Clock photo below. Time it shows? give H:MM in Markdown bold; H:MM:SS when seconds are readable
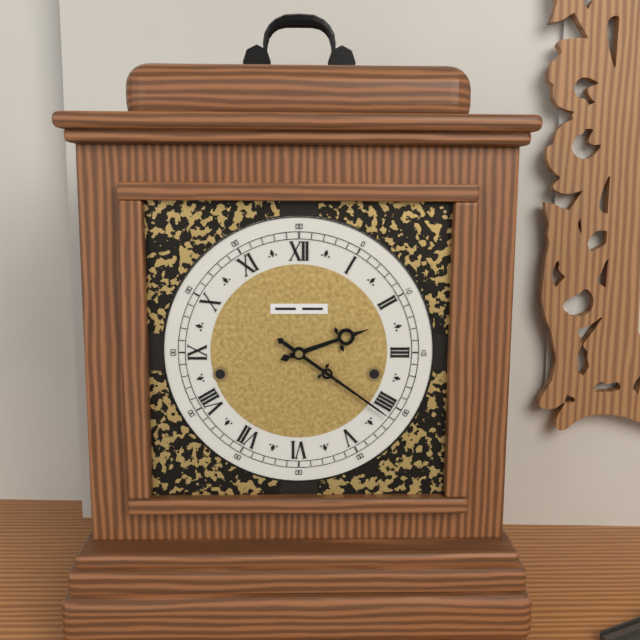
**2:21**
